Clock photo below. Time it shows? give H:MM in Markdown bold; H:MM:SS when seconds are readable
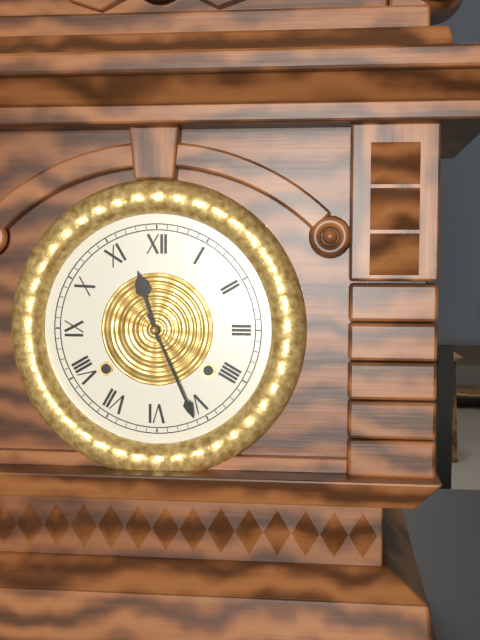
**11:26**
